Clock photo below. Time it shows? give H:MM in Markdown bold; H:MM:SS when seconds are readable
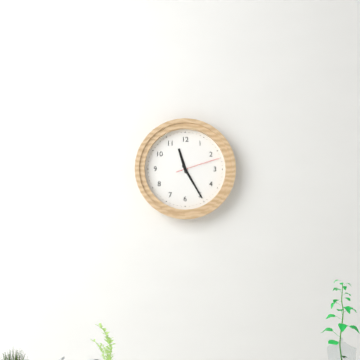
**11:25**
